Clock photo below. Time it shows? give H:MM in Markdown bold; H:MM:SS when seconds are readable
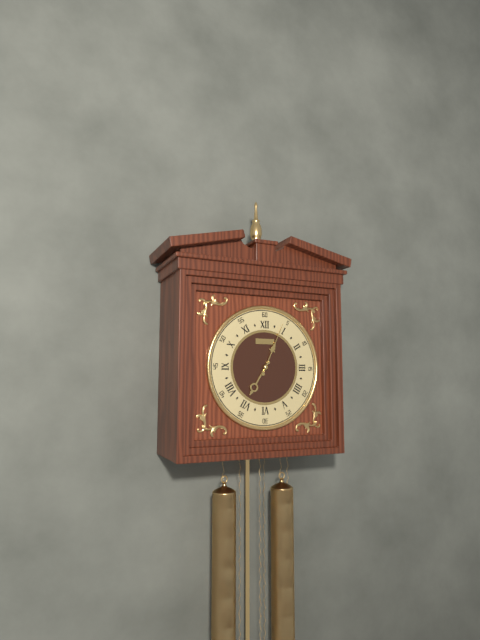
**7:04**
